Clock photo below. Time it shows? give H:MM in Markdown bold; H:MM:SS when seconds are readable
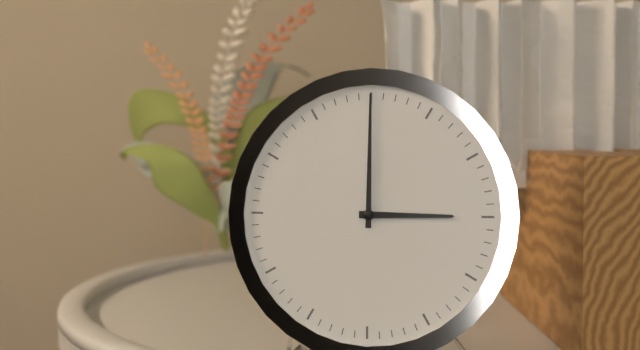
**3:00**
